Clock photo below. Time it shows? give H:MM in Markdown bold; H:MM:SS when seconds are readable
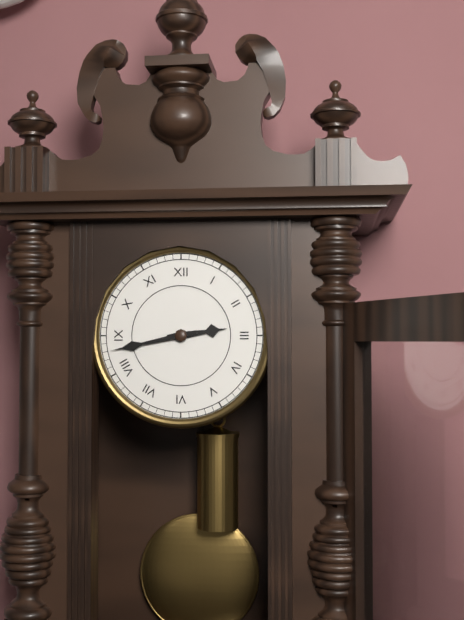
**2:43**
